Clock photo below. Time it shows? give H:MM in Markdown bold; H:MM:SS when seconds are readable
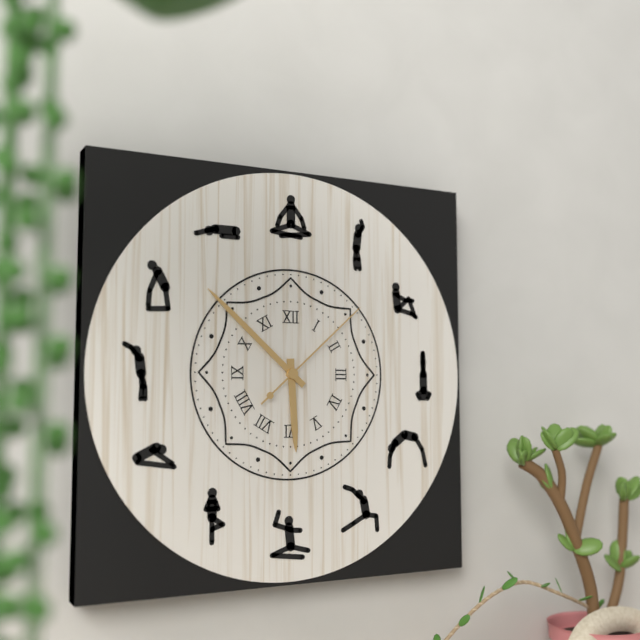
**5:52:08**
